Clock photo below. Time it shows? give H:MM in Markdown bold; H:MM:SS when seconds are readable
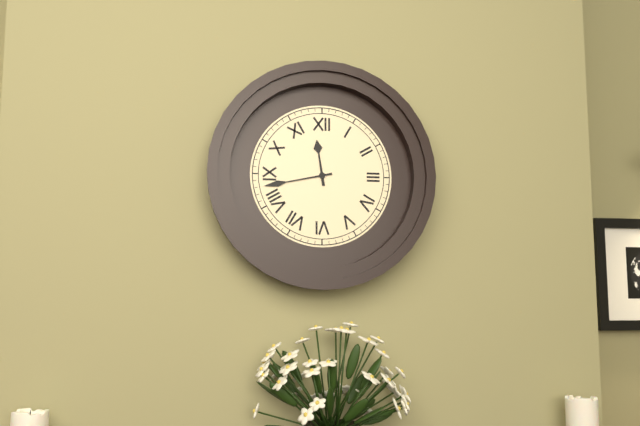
**11:43**
